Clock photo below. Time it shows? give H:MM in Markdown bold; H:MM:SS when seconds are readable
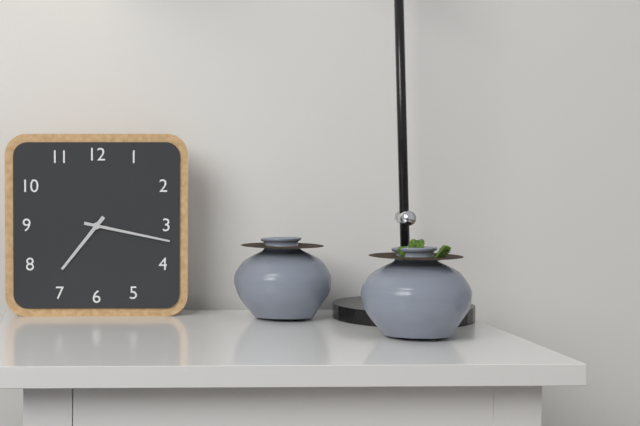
**7:17**
